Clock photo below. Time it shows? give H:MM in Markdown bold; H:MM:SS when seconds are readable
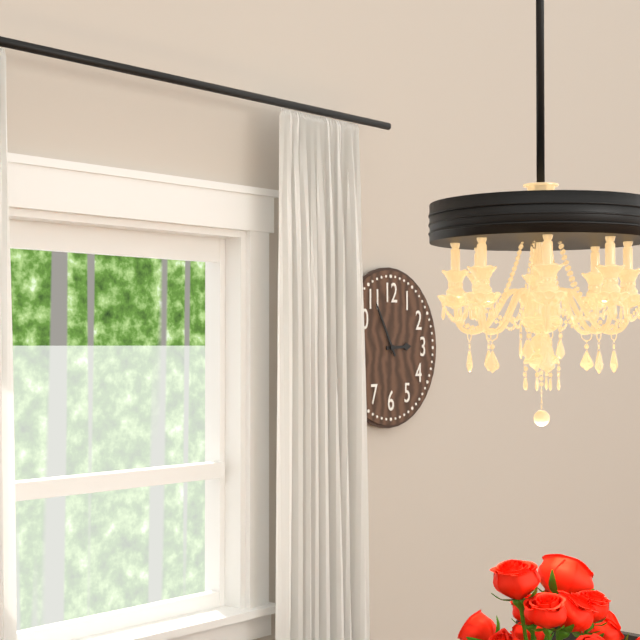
**2:55**
